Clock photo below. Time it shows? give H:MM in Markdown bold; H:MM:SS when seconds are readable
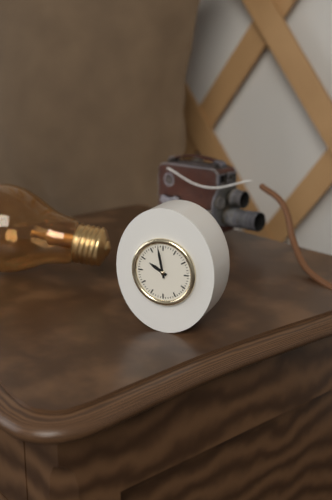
**9:58**
